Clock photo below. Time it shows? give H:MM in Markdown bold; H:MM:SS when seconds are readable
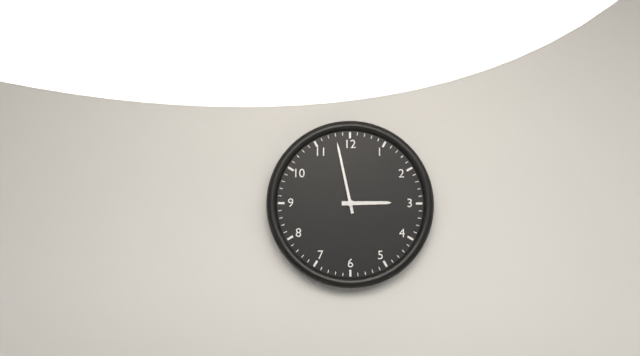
**2:58**
